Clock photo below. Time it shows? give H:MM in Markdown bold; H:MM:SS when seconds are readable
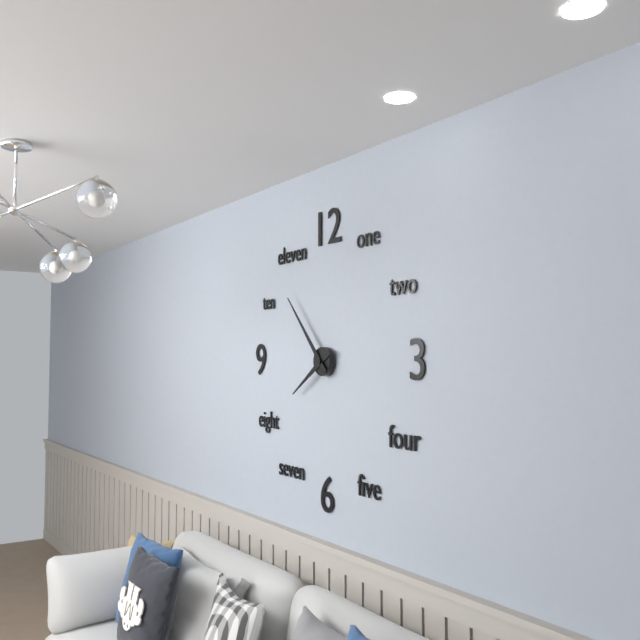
**7:53**
